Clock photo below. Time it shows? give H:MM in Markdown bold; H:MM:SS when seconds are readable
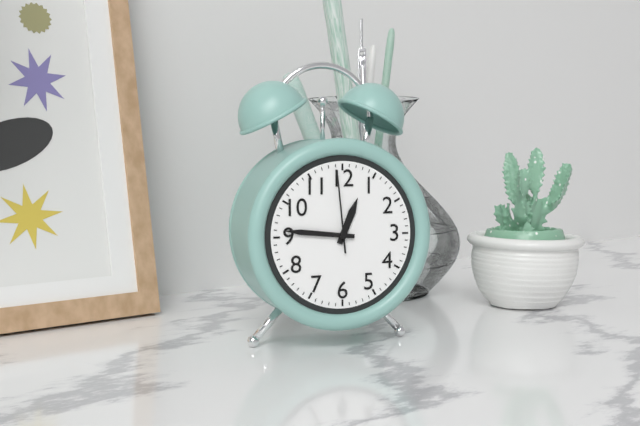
**12:46:59**
